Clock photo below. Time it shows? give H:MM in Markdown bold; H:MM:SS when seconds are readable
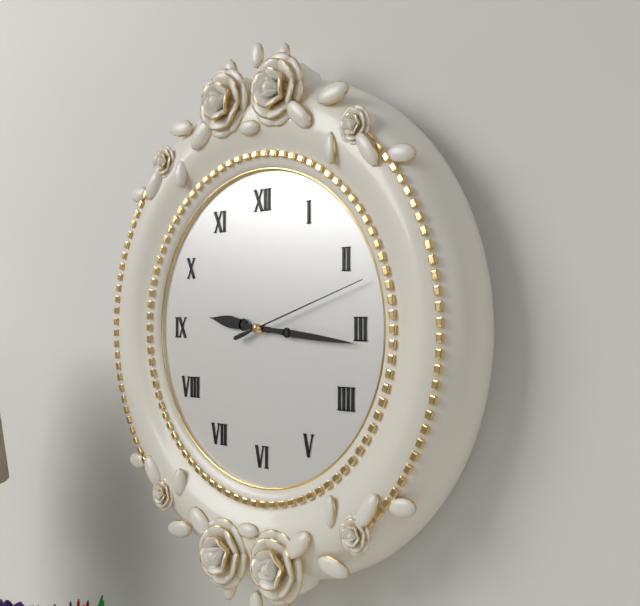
**9:16:12**
